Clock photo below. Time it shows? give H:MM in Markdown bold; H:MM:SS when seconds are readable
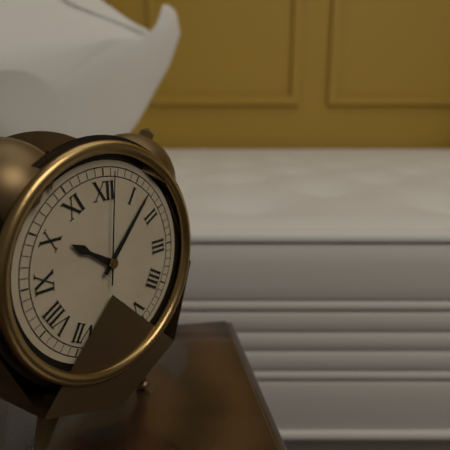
**10:07:01**
